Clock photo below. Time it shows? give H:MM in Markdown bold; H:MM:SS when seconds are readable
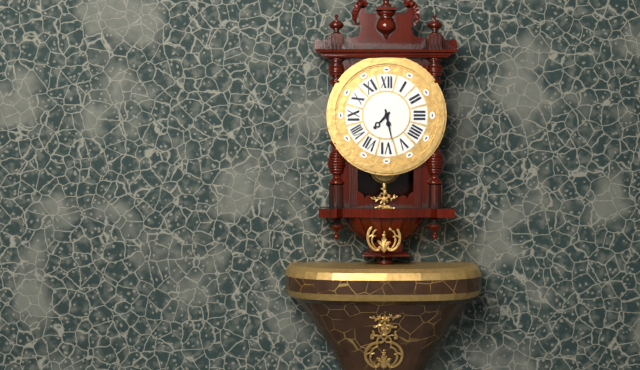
**7:28**
